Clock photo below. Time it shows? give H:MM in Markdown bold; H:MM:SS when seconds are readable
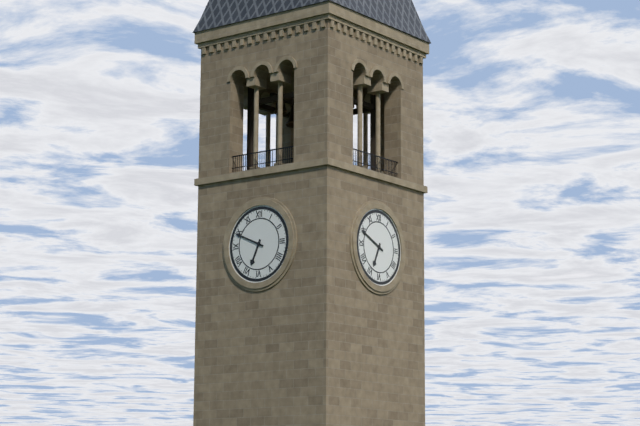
**6:49**
